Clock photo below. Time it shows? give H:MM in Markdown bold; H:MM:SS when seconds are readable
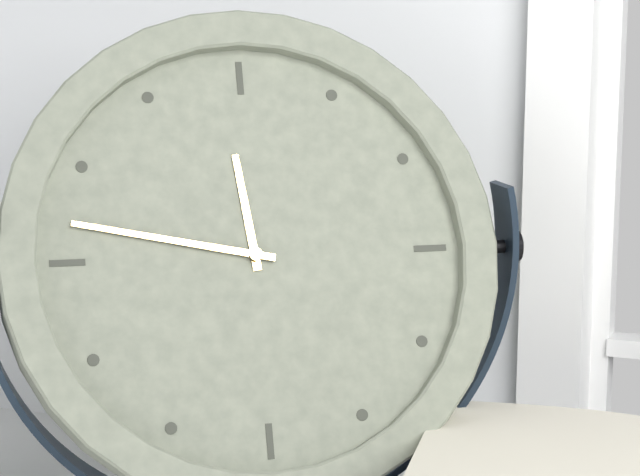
**11:47**
